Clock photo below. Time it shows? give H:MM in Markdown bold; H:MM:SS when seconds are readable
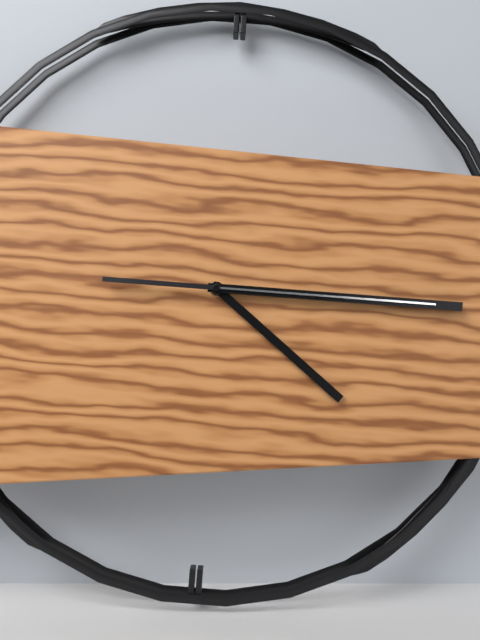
**4:15:15**
